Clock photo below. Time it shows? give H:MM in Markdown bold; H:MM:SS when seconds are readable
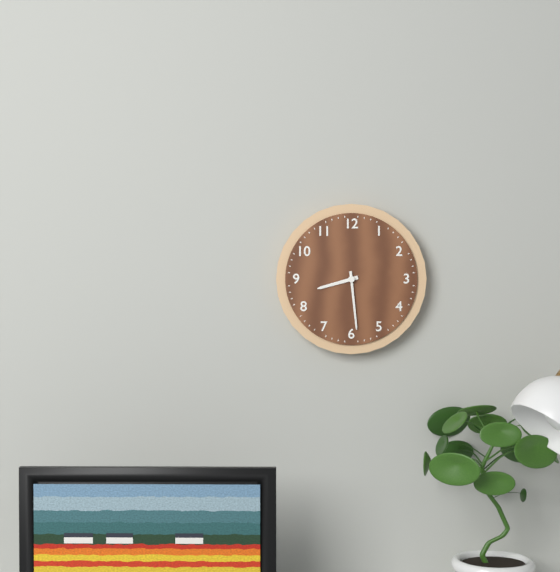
**8:29**
